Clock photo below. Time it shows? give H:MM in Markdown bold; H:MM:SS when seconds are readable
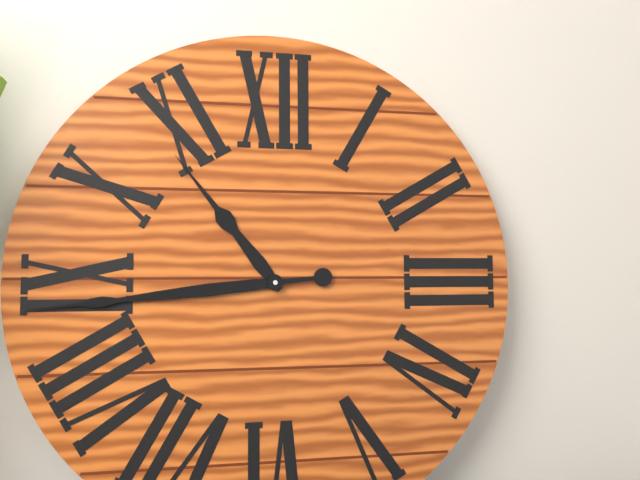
**10:44**
